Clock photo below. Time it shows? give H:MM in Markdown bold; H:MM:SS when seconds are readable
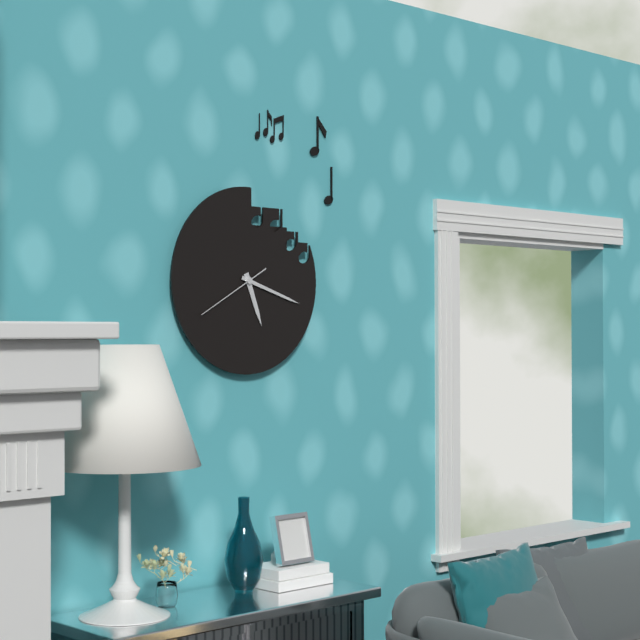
**5:18:40**
